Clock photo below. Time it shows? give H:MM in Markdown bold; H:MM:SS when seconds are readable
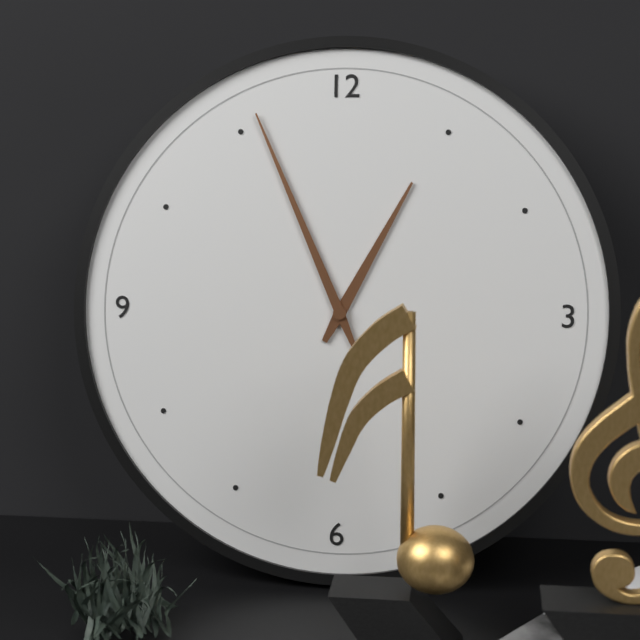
**12:56**
